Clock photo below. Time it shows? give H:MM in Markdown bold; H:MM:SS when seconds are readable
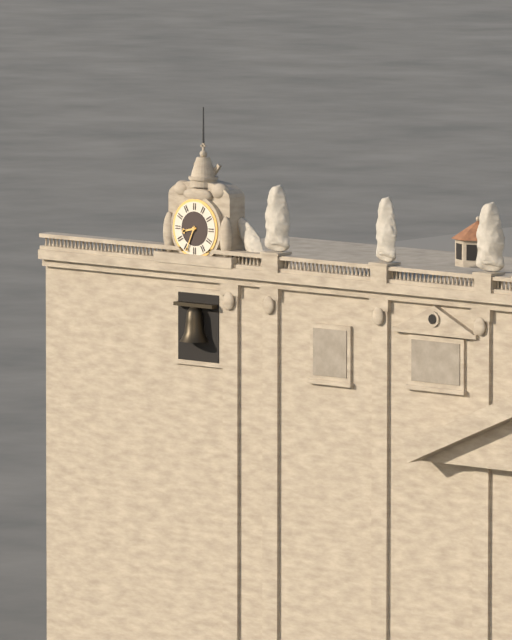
**8:34**
